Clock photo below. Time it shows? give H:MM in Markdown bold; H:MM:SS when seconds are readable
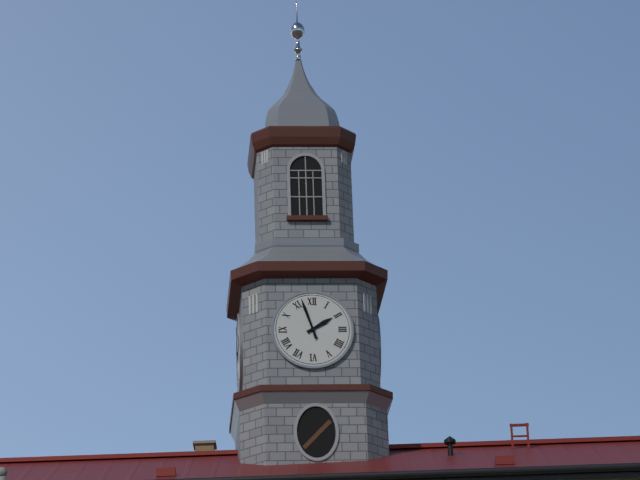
**1:57**
